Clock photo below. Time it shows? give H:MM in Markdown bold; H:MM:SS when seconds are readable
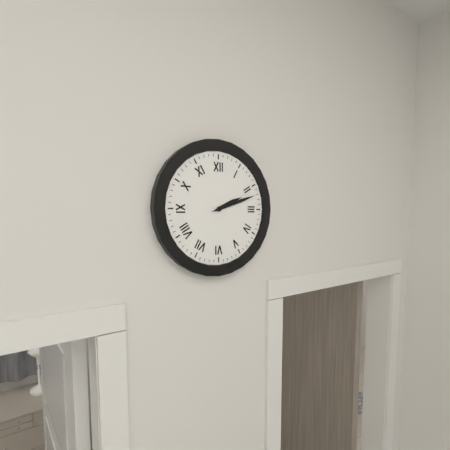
**2:12**
